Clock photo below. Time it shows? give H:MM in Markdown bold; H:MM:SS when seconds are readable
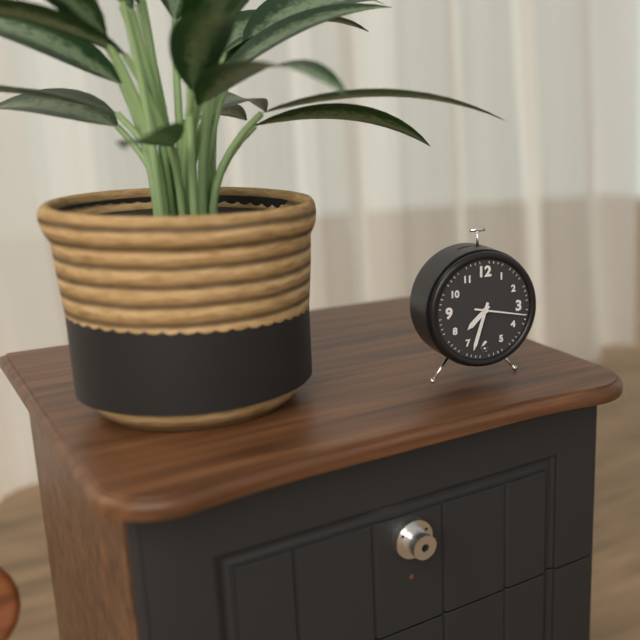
**7:33:17**
